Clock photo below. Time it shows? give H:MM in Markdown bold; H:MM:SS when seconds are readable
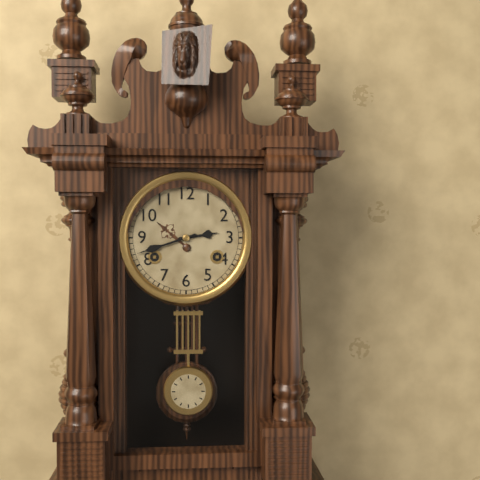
**2:42**
